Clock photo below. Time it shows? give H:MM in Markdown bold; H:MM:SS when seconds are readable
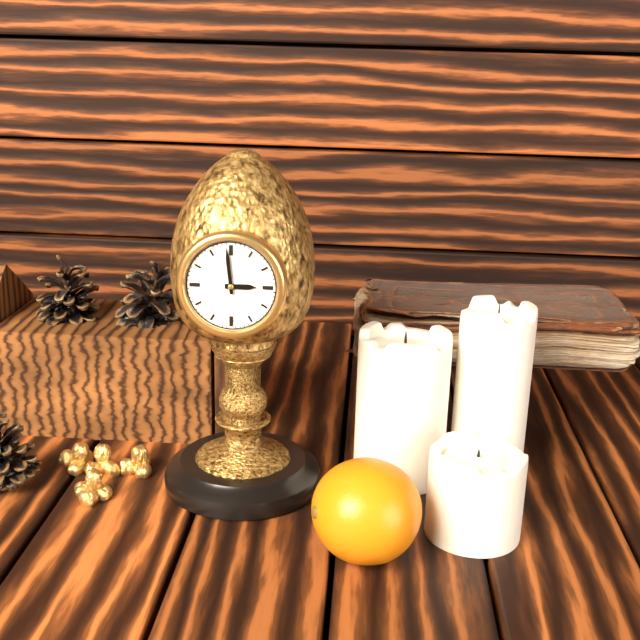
**2:59**
